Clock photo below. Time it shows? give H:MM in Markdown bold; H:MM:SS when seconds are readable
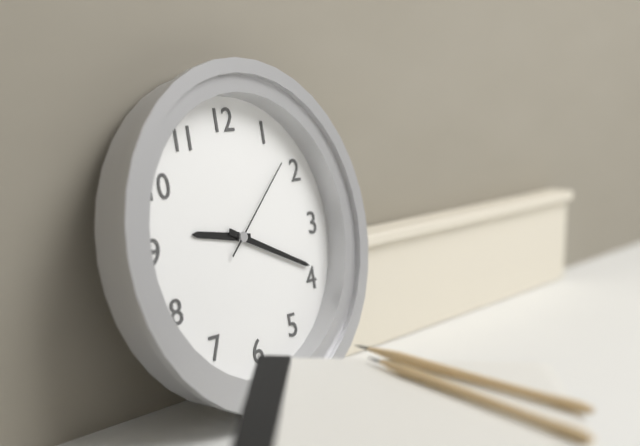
**9:19:08**
